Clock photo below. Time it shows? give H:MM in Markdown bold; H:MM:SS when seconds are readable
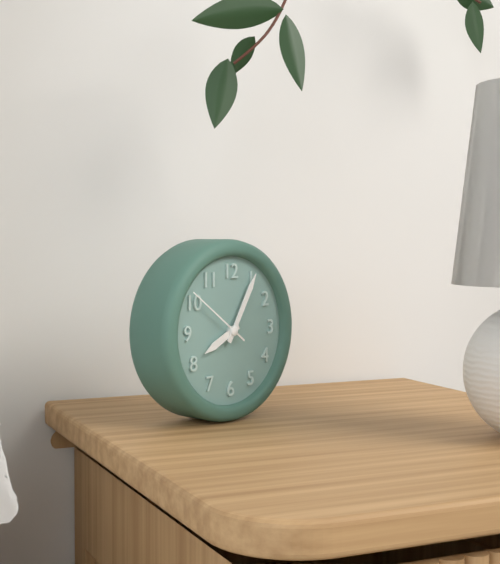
**8:05:51**
